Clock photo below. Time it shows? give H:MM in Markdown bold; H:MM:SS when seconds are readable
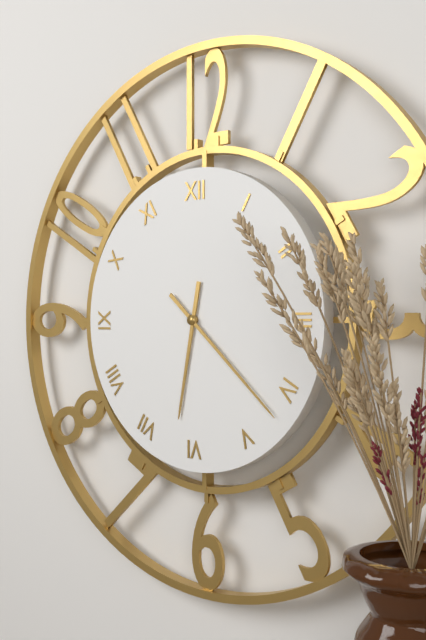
**6:22**
